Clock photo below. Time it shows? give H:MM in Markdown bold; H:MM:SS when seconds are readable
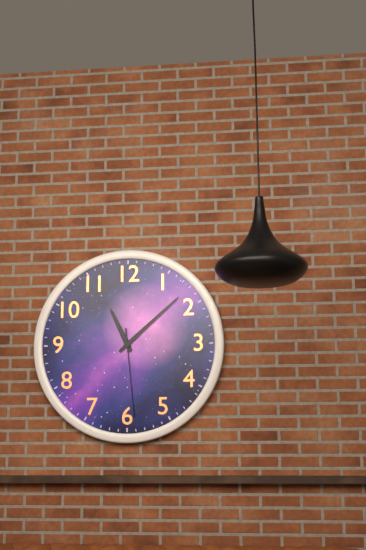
**11:08:29**
